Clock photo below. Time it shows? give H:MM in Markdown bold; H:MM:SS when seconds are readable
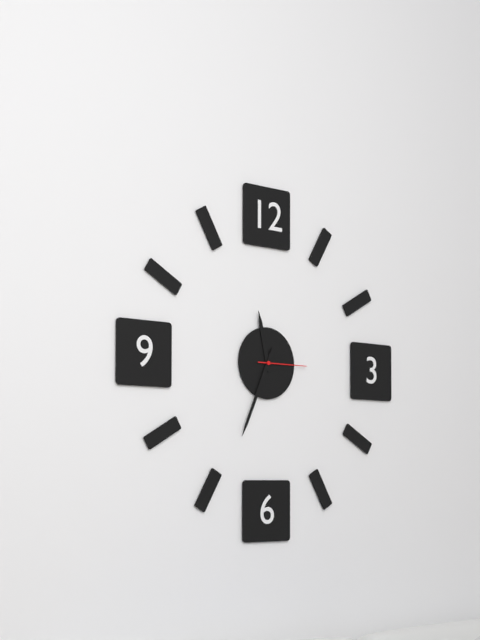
**11:34:15**
